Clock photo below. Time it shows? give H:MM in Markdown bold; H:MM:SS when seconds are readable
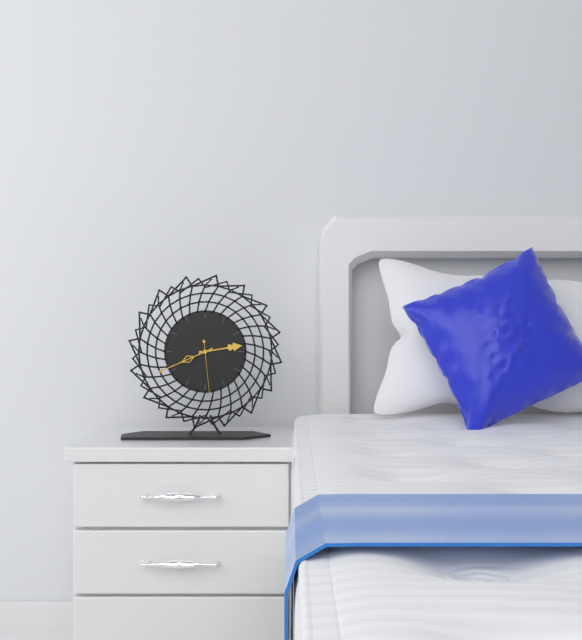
**2:41:29**
